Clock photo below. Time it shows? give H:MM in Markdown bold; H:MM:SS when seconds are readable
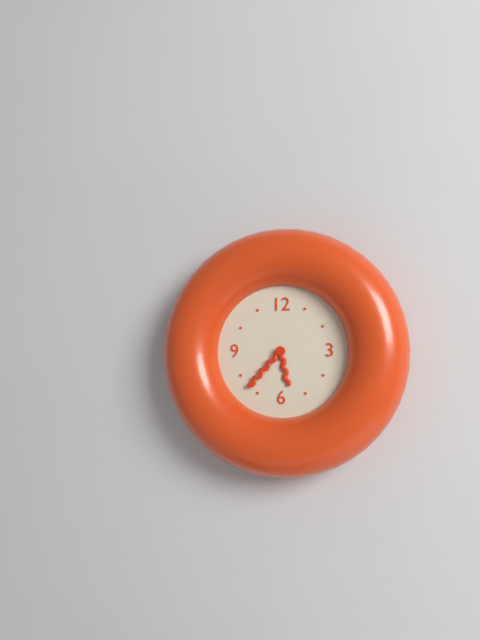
**5:37**
